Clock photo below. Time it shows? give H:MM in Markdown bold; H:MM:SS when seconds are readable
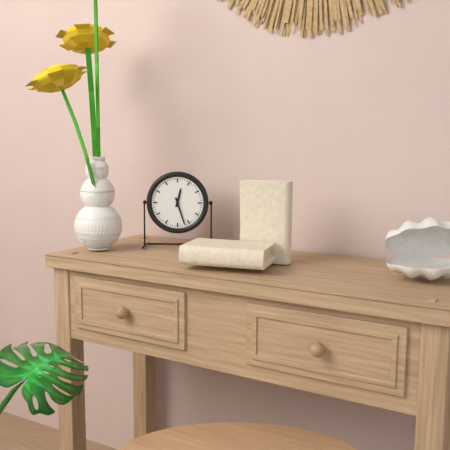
**12:27**
